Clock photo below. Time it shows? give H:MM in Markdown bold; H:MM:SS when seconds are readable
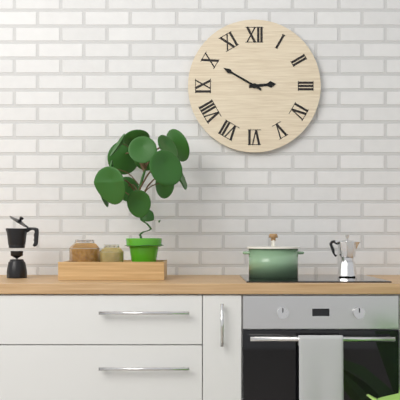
**2:50**
